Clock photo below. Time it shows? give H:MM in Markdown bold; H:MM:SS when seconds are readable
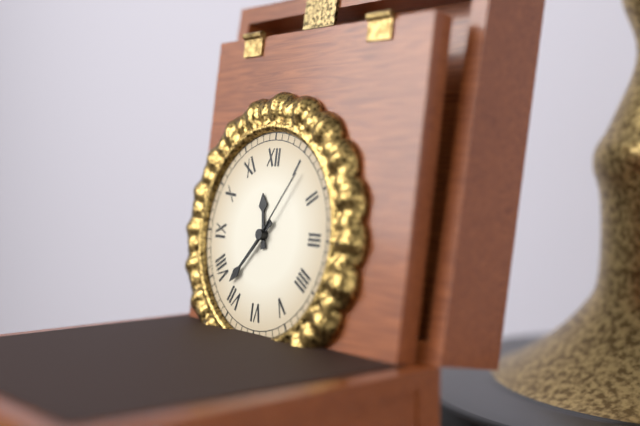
**11:37:06**
